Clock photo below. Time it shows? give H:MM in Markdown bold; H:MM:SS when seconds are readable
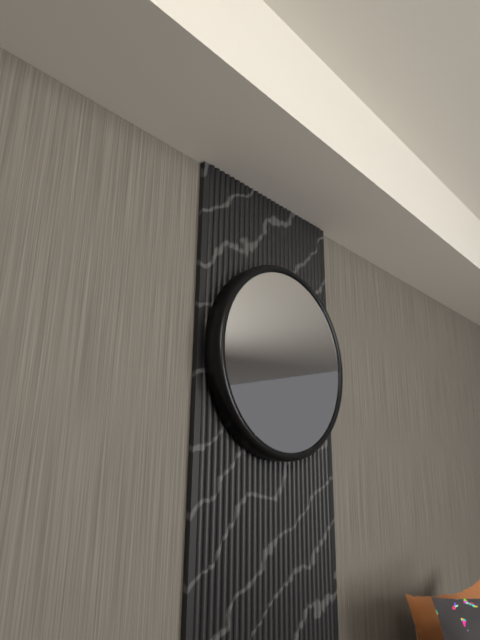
**4:51**
